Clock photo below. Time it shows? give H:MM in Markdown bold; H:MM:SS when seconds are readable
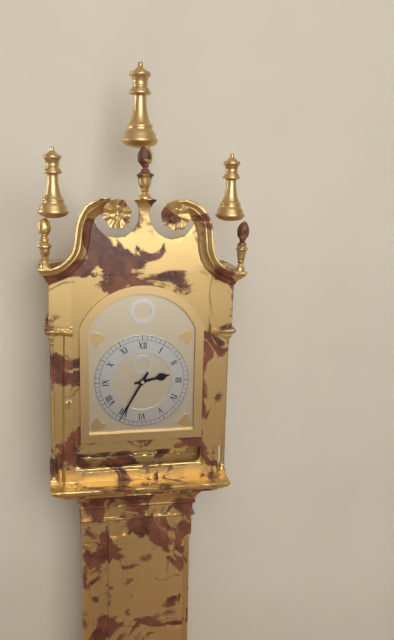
**2:35**
